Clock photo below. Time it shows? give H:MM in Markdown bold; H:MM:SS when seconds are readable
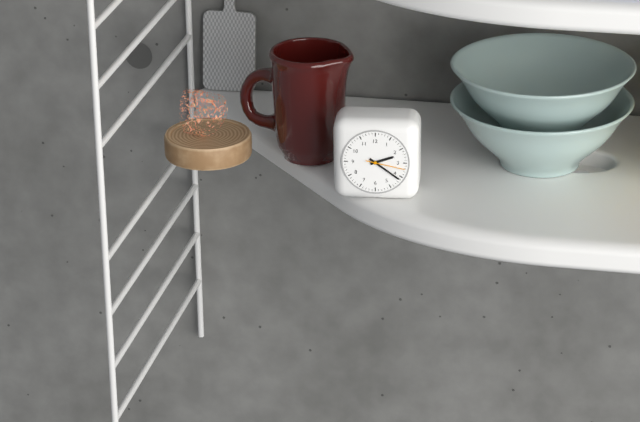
**2:21**
